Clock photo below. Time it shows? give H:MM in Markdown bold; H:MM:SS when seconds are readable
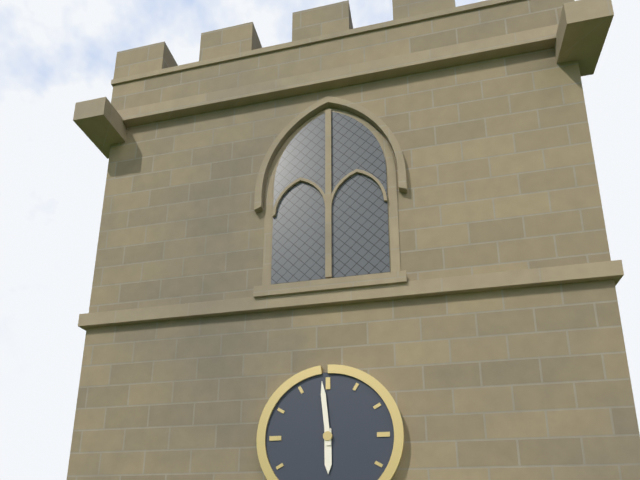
**5:59**
